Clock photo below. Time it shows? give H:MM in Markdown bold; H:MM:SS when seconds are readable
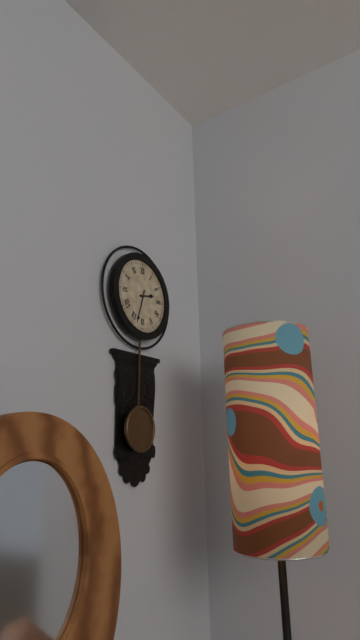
**2:33**
